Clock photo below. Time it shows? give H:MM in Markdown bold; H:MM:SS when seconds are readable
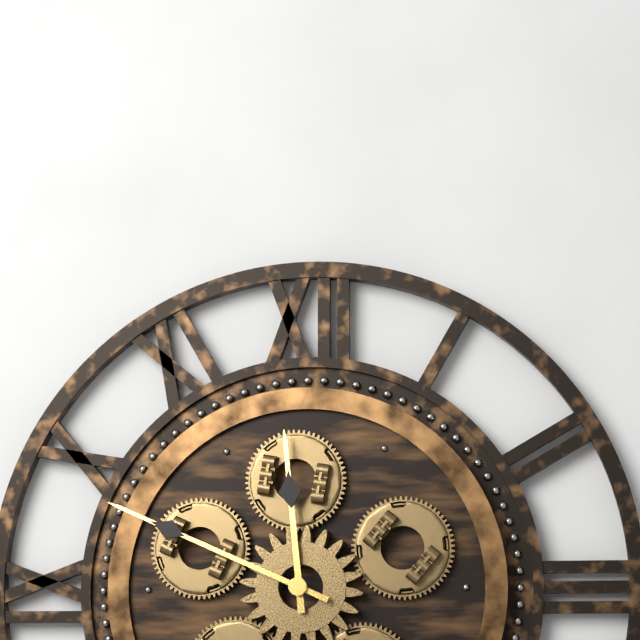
**11:49**
